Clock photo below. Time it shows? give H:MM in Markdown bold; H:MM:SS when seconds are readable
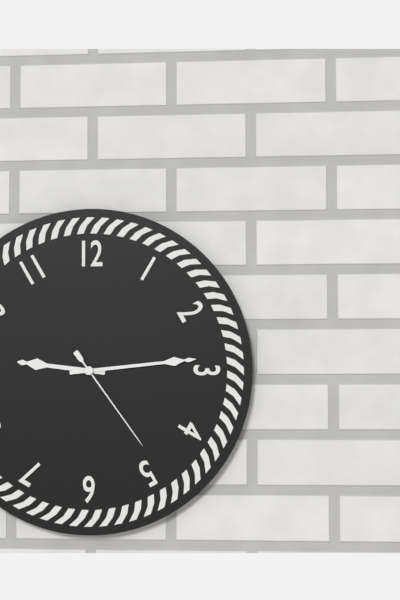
**9:14:24**
